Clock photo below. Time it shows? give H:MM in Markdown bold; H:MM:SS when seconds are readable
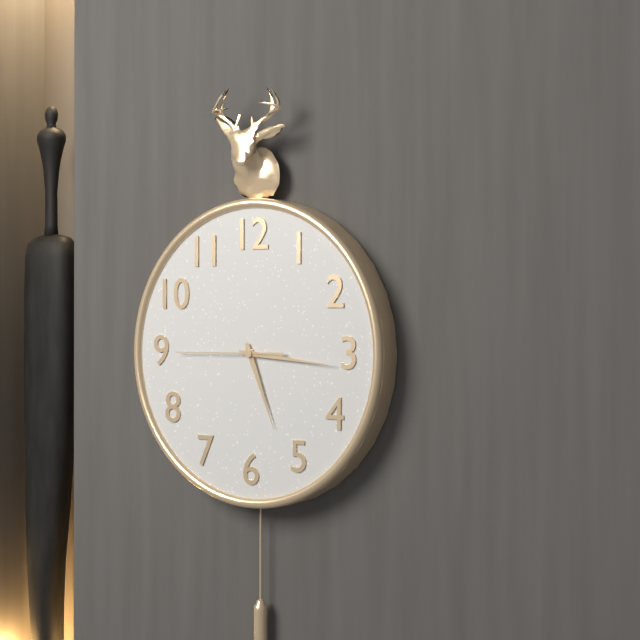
**5:16:45**
